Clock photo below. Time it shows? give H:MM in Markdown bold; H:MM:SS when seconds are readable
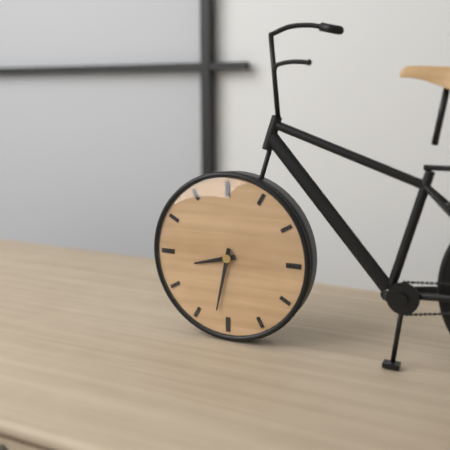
**8:32**
